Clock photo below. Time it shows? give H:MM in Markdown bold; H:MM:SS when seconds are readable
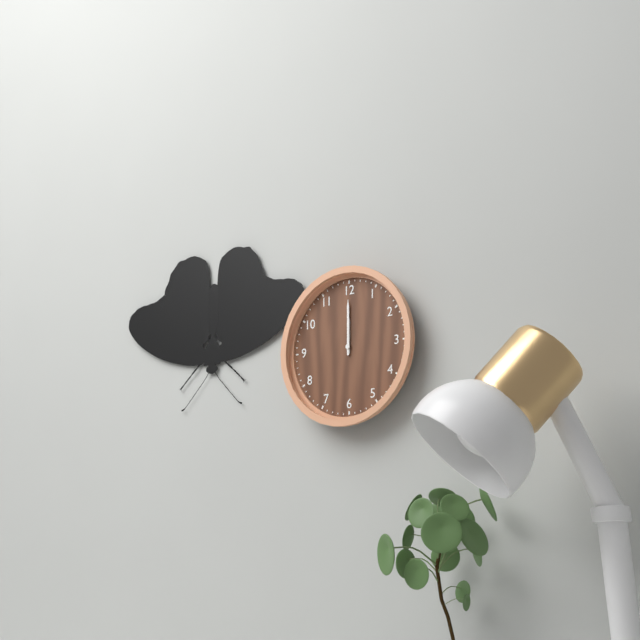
**12:00**
